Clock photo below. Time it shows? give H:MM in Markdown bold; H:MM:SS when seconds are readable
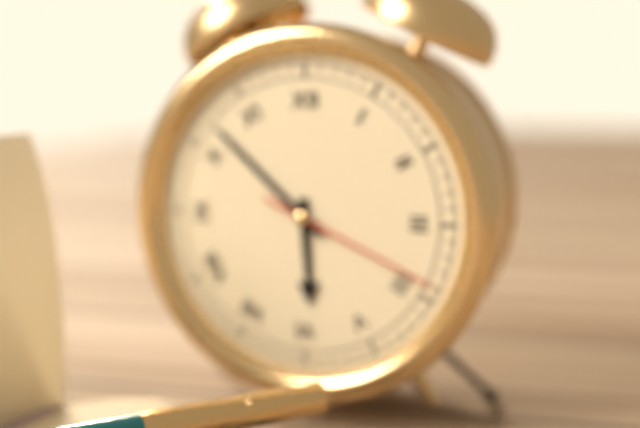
**5:52:19**
